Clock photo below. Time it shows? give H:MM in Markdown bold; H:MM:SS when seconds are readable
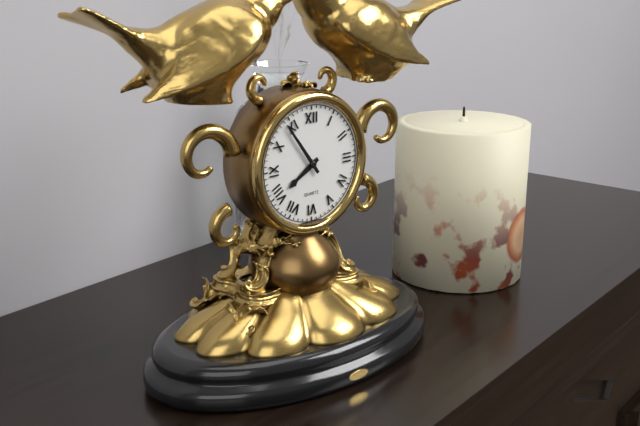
**7:54**
